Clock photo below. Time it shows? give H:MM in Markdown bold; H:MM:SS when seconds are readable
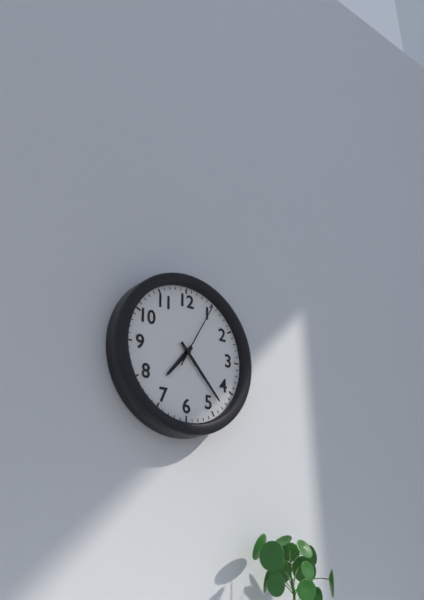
**7:23:05**
